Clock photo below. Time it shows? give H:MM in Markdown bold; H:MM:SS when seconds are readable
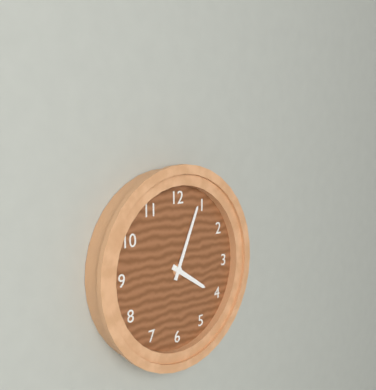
**4:04**
